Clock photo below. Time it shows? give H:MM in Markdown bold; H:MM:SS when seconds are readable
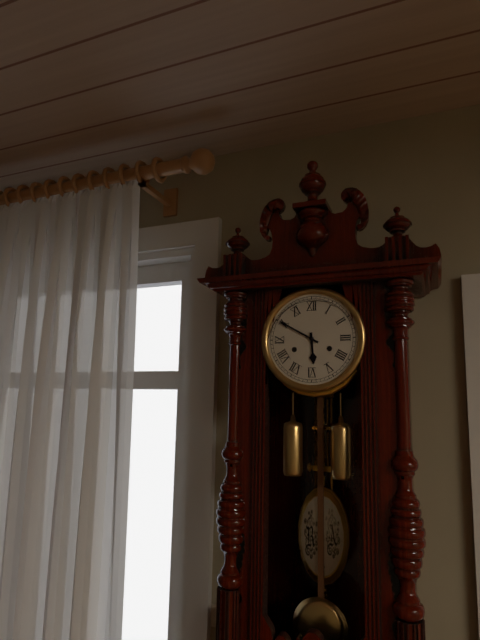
**5:50**
